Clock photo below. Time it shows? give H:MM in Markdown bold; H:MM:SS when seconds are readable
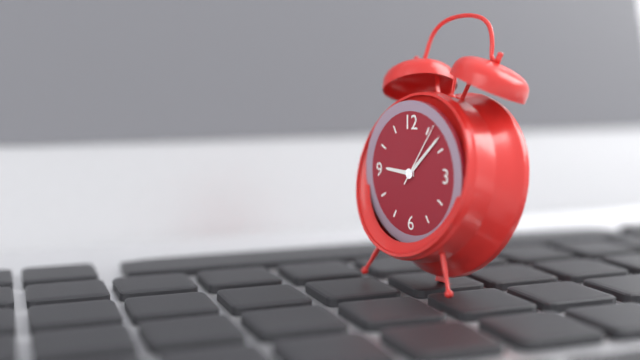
**9:08:06**
